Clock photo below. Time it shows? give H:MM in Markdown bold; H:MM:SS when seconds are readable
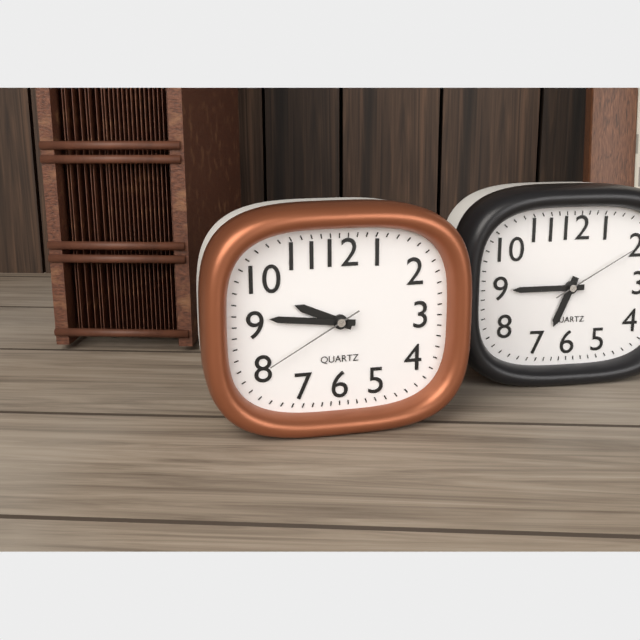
**9:46:40**
